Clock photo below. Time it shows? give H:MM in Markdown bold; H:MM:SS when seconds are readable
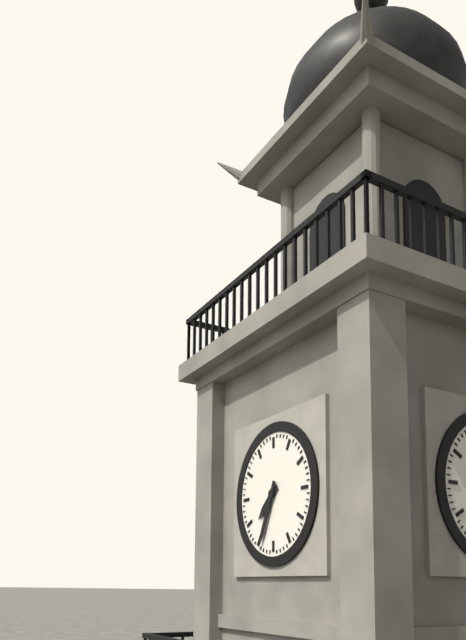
**7:34**
